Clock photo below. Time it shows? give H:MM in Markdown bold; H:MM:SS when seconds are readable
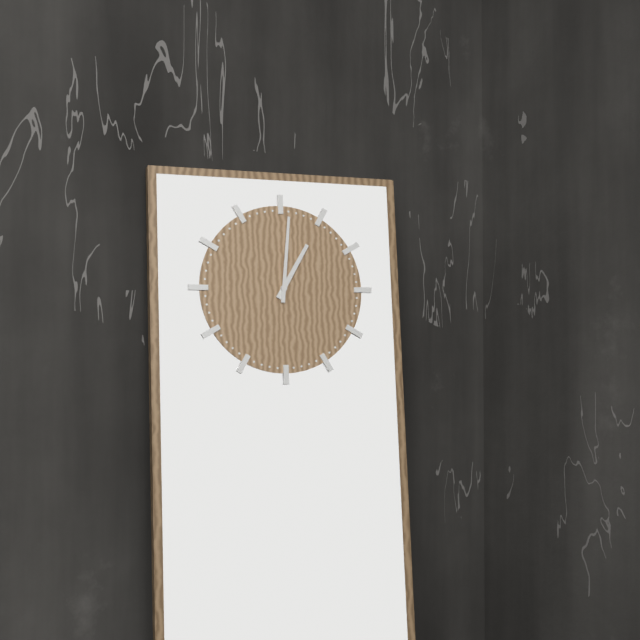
**1:01**
